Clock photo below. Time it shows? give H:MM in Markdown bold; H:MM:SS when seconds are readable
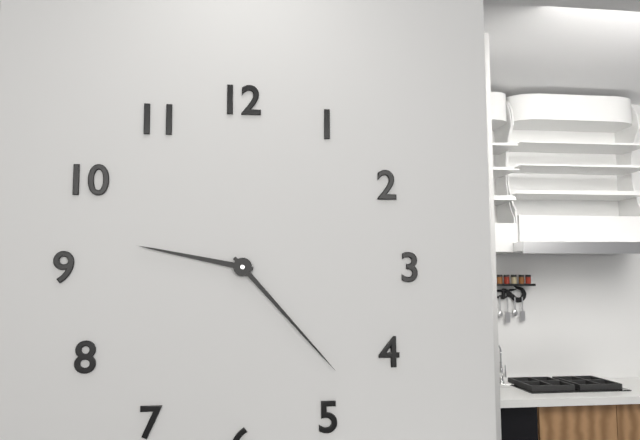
**9:23**
